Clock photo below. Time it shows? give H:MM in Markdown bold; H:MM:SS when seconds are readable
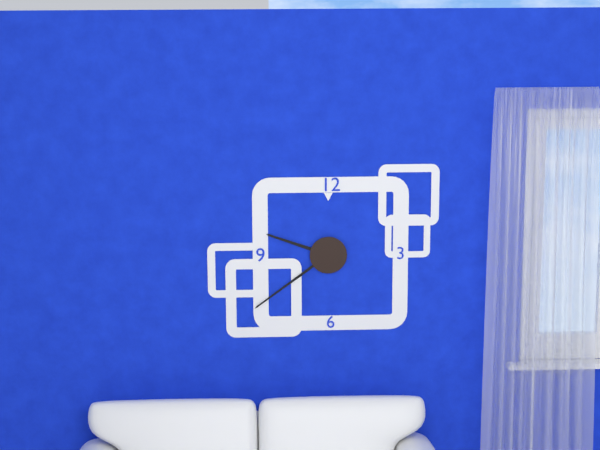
**9:39**
